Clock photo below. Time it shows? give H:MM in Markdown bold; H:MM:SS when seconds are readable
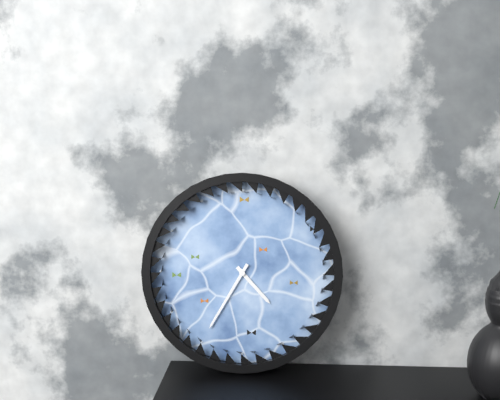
**4:35**
